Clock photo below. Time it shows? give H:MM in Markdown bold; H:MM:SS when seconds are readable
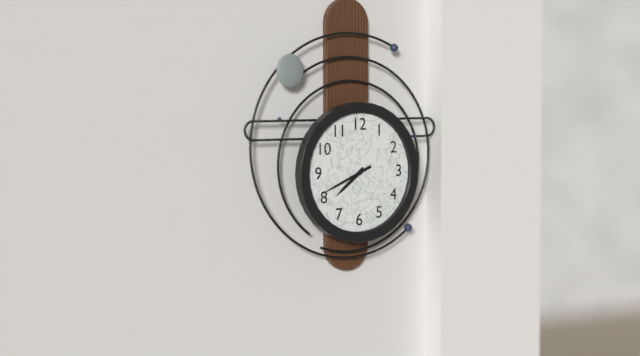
**7:41**
